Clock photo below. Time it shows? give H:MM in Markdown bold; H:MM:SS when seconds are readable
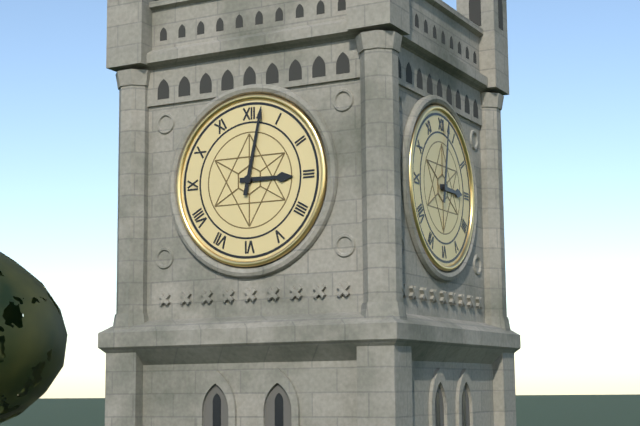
**3:02**
